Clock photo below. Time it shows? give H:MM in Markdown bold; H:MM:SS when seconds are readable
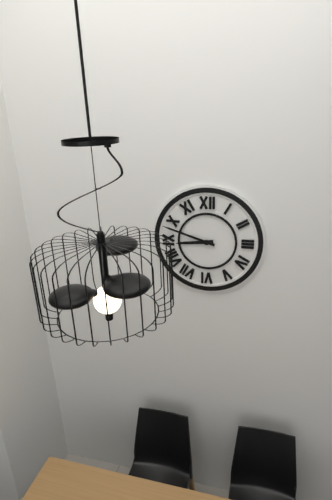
**8:48**
